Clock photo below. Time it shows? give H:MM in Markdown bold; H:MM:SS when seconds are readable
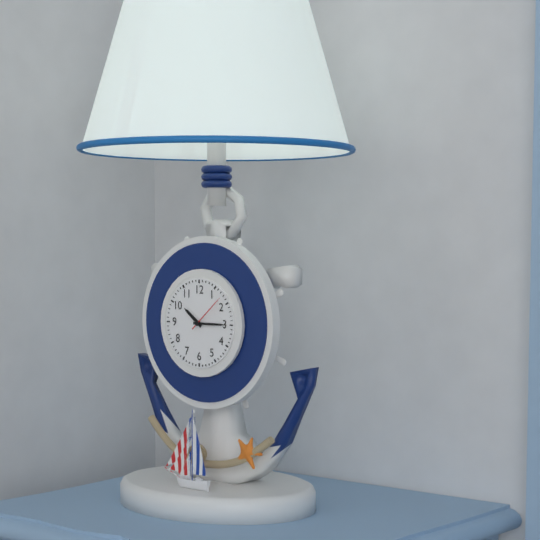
**10:15**
